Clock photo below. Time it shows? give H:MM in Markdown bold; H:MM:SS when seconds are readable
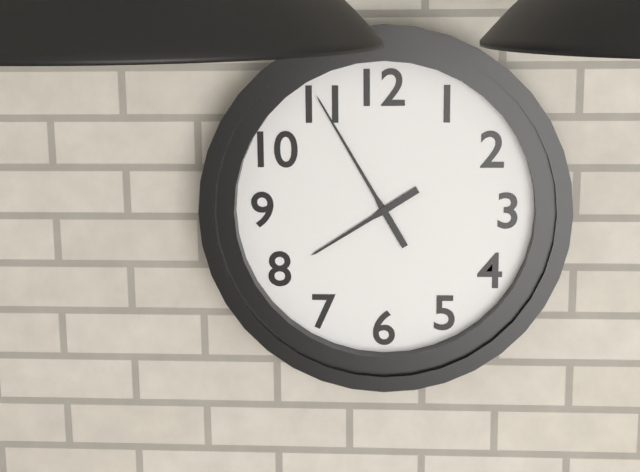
**7:55**
